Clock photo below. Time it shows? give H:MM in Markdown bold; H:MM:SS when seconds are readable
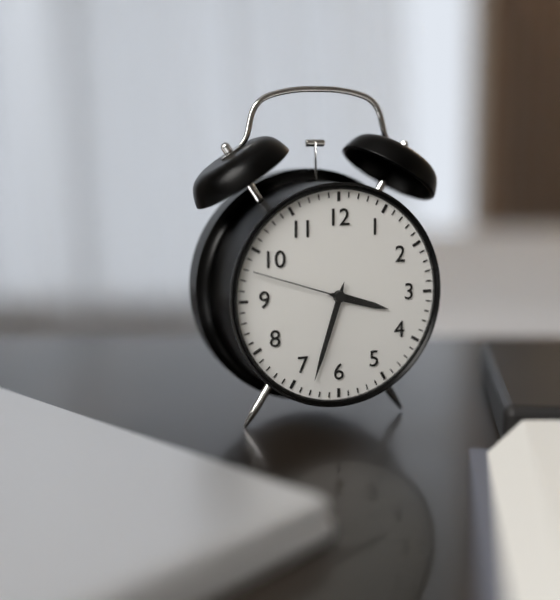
**3:33:48**
